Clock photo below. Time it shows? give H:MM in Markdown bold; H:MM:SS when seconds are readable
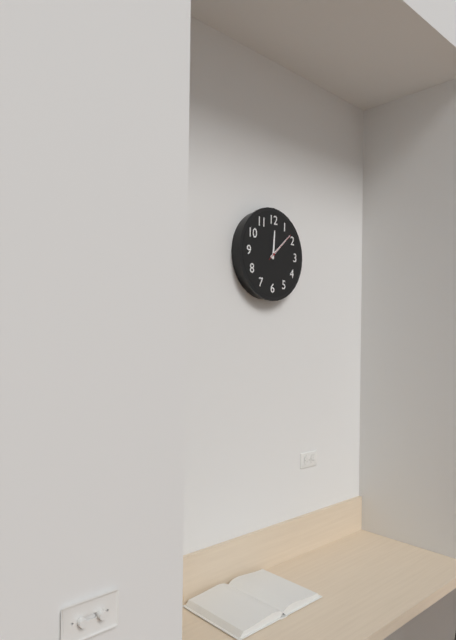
**12:08**
